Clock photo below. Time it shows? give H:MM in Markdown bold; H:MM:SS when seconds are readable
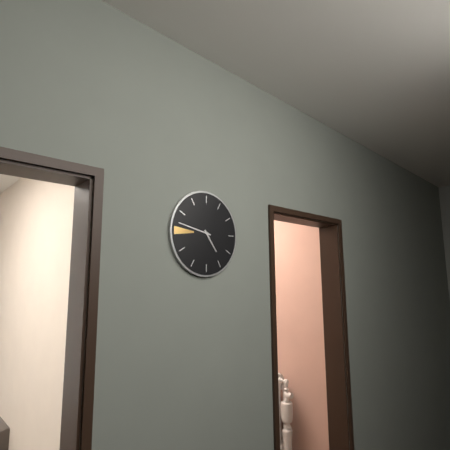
**4:47**
